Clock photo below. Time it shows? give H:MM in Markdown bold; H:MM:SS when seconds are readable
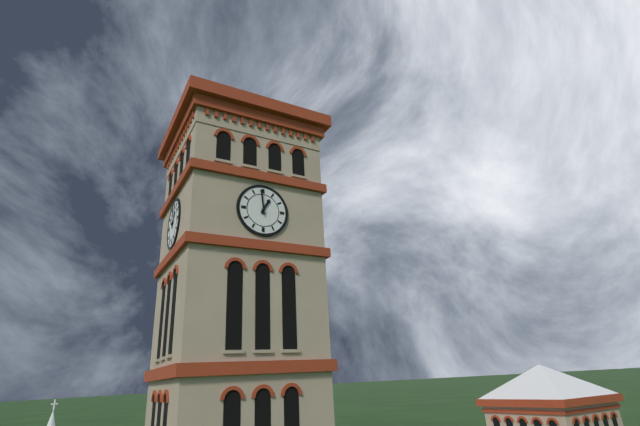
**12:59**
